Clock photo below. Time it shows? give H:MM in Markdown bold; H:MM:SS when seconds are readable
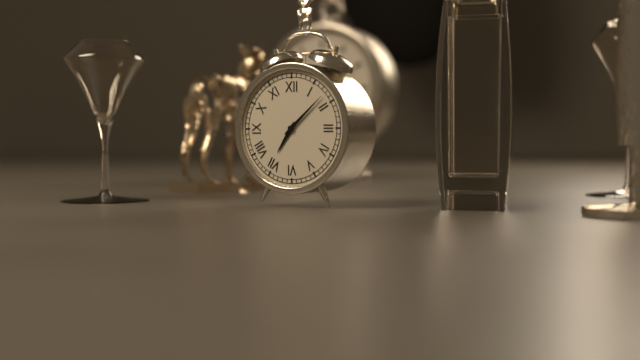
**7:08**
